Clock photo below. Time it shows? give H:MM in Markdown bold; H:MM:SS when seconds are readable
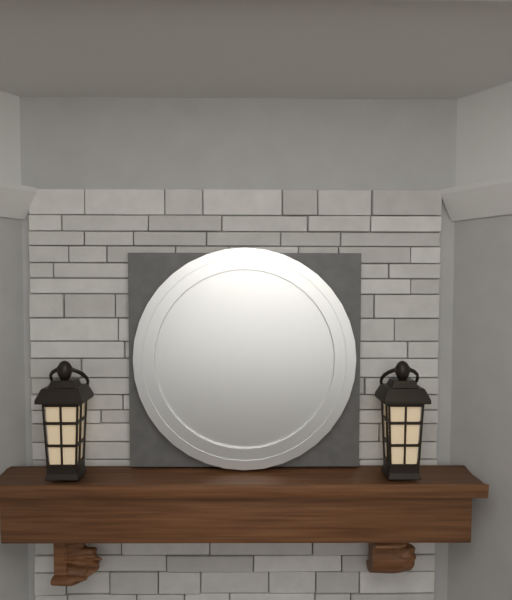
**2:53**
